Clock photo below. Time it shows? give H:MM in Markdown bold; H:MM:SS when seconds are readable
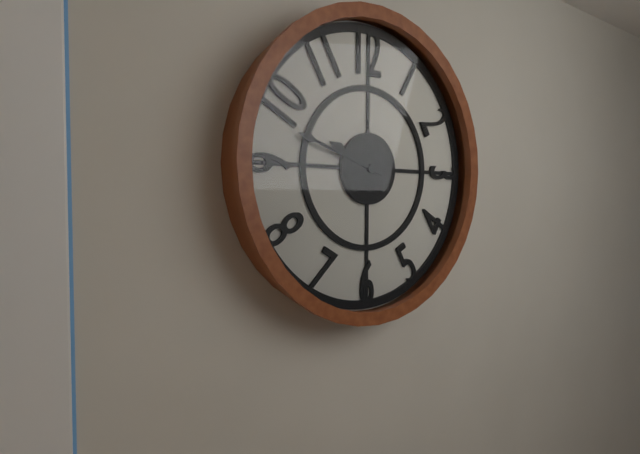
**9:48**
